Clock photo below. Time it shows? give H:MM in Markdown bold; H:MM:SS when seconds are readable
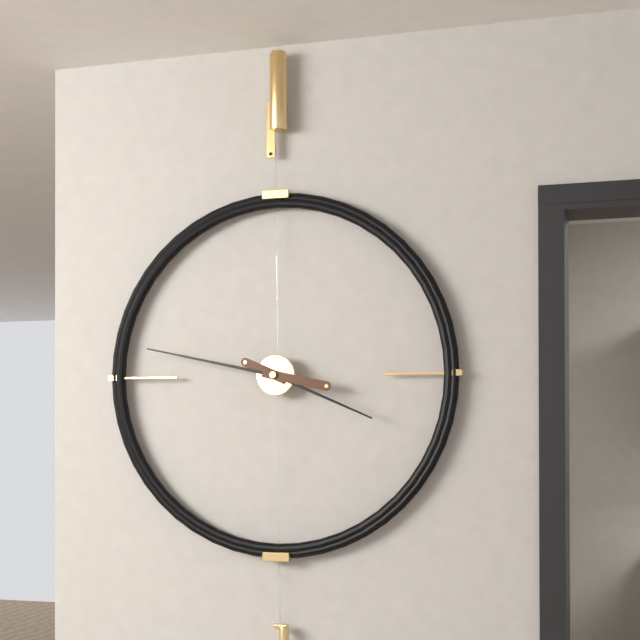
**3:47**
